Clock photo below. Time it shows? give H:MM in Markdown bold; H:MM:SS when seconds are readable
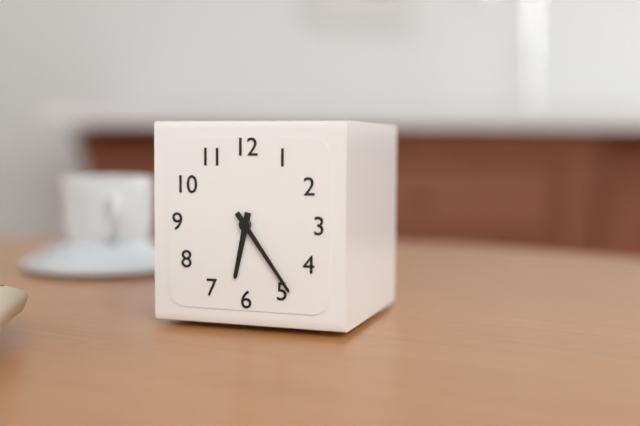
**6:24**
